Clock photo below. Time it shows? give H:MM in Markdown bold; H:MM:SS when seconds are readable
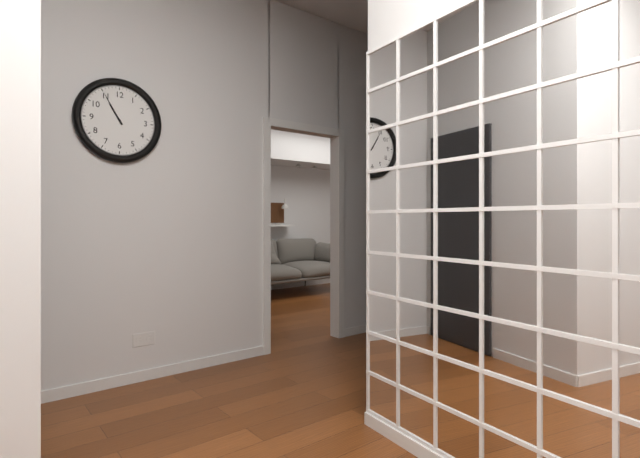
**10:55**
